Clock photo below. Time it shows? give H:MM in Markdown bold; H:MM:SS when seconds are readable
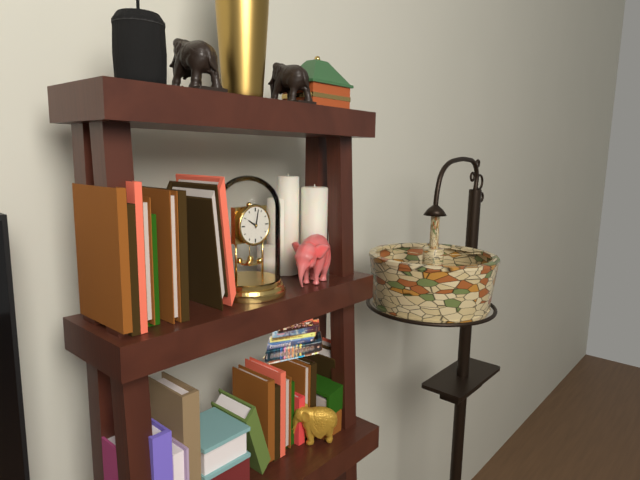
**10:02**
